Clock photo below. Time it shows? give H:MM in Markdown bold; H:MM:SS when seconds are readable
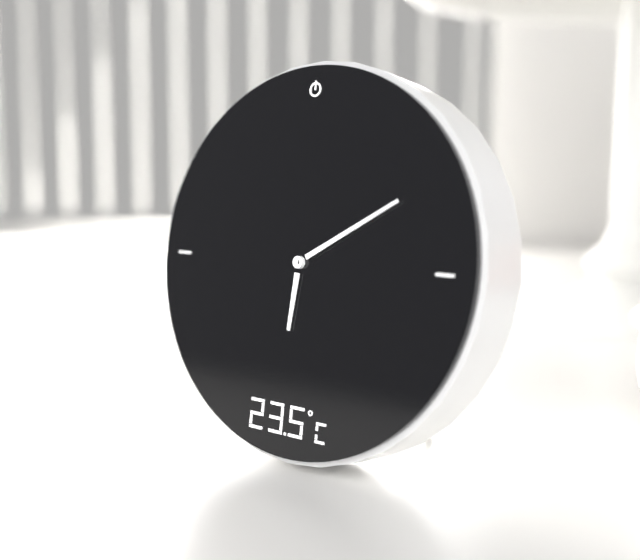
**6:10**
